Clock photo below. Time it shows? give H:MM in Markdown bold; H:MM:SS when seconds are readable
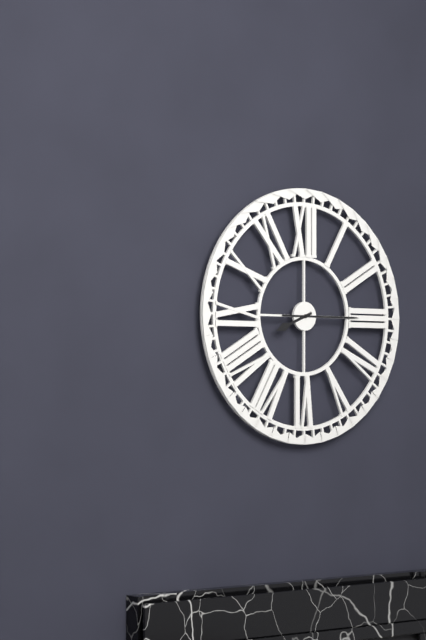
**8:15**
